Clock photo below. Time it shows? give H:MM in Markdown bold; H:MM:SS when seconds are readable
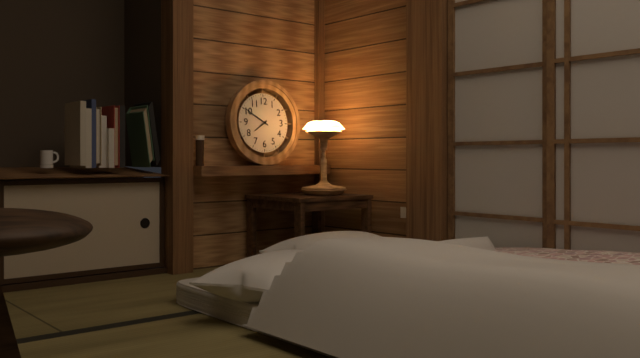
**7:50**
